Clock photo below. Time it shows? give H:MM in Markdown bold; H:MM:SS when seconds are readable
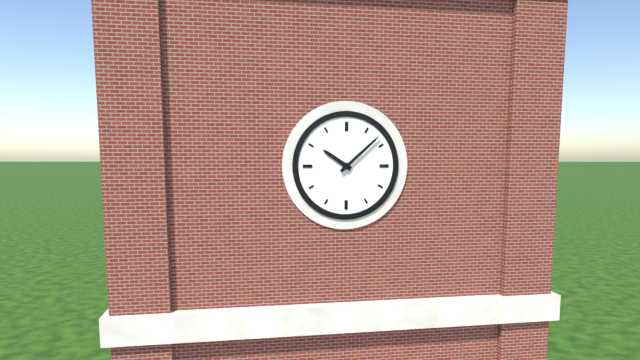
**10:08**
